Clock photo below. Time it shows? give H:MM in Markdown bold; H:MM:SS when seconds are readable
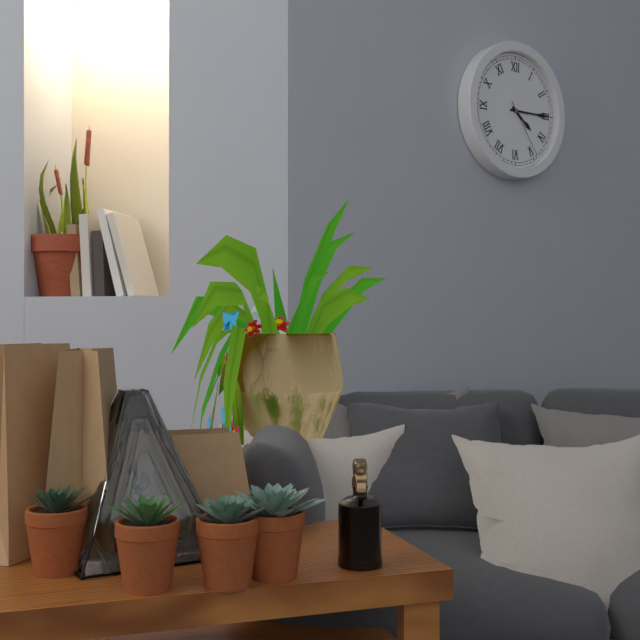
**4:15:24**
